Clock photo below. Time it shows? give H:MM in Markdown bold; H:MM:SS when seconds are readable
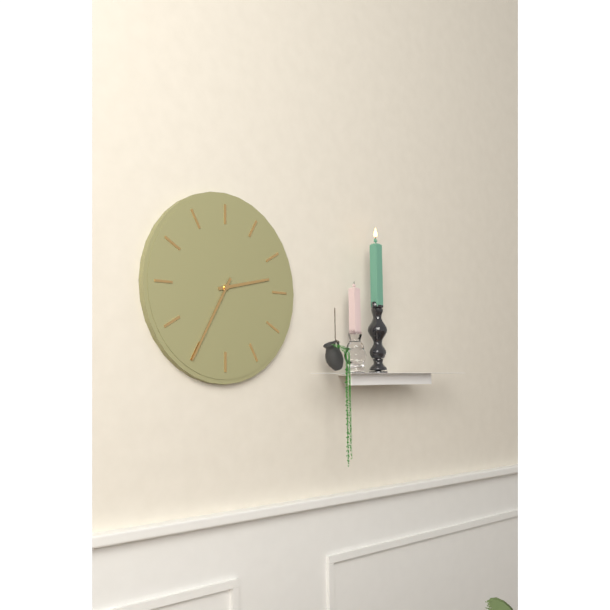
**2:35**
